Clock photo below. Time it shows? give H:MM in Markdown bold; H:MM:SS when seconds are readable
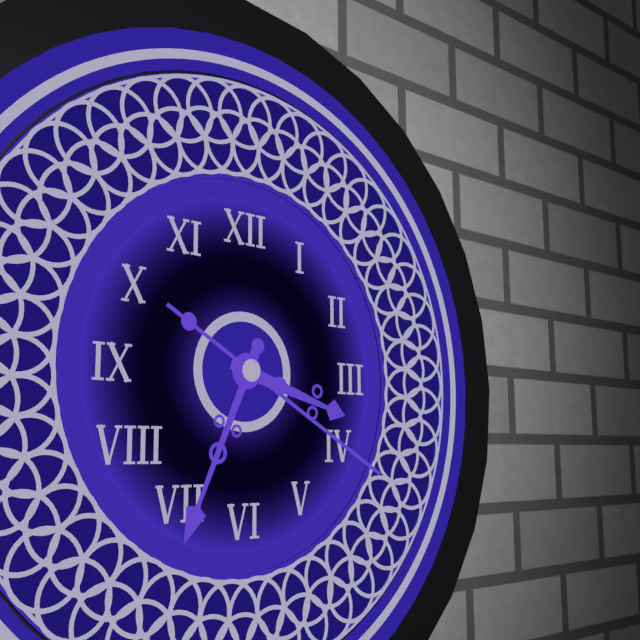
**3:34:20**
